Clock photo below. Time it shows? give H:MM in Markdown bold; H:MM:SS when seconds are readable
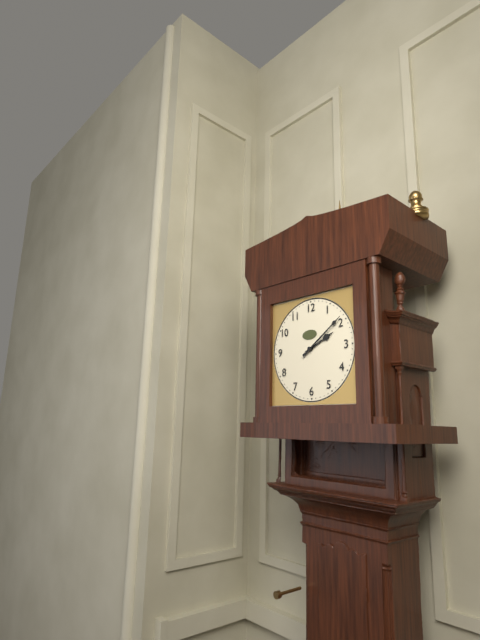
**2:09**
